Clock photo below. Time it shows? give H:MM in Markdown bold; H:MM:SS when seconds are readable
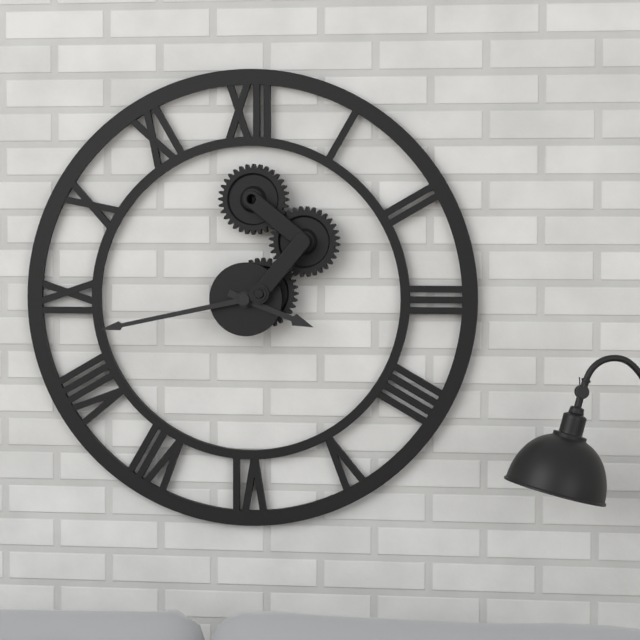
**3:43**
